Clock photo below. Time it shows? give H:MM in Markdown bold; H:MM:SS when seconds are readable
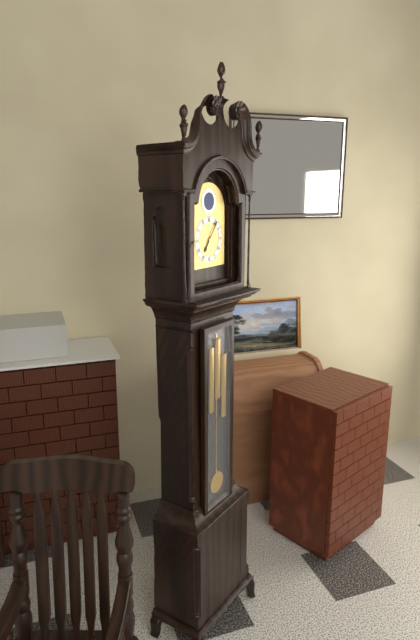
**7:06**
